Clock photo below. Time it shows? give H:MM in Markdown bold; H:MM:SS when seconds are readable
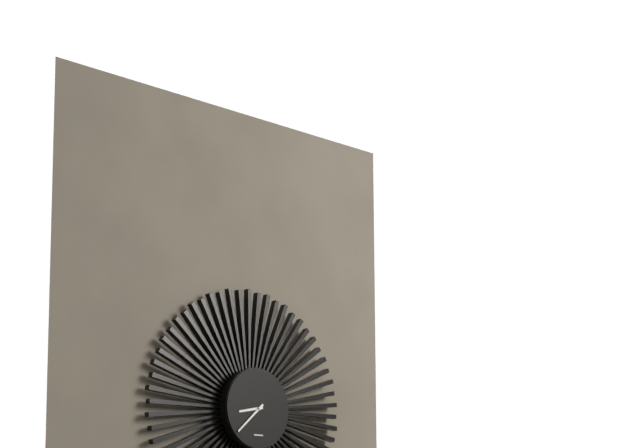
**8:38**
